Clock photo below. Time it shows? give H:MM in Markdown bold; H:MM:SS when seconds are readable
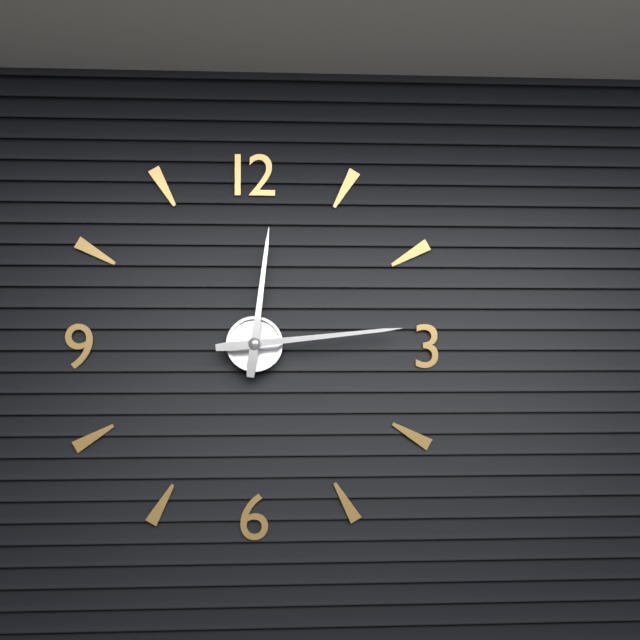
**12:14**
